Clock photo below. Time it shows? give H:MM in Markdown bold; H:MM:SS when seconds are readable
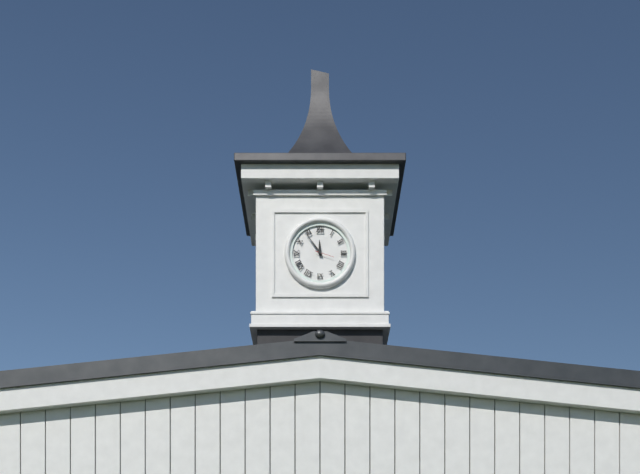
**11:54**
